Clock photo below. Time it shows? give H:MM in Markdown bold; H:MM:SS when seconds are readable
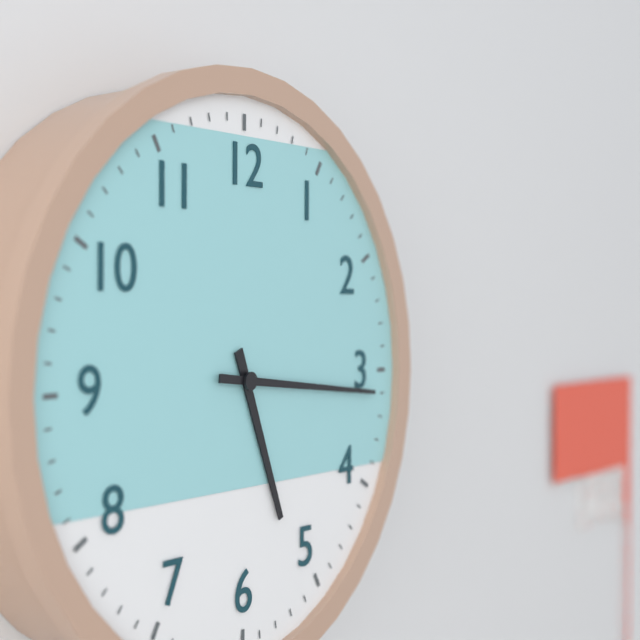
**5:16**
